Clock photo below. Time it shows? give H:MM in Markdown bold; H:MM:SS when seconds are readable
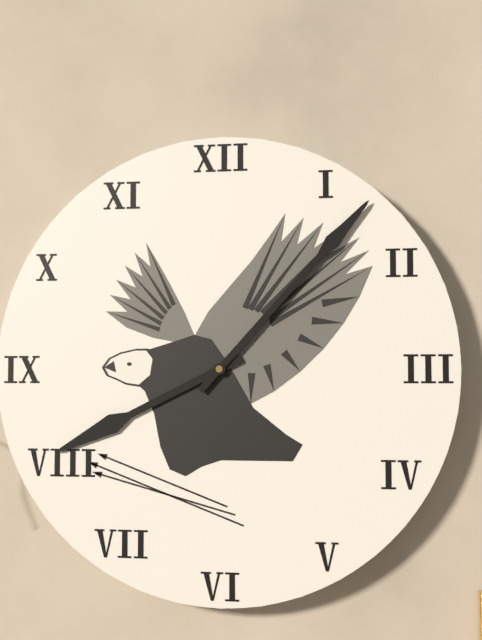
**8:07**
